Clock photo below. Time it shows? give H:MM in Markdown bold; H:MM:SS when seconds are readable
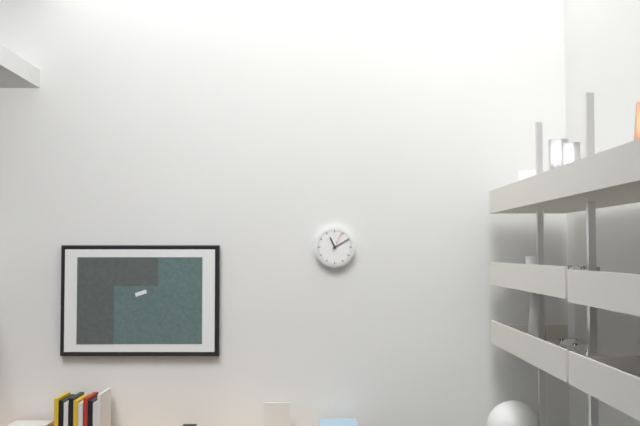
**11:10**
